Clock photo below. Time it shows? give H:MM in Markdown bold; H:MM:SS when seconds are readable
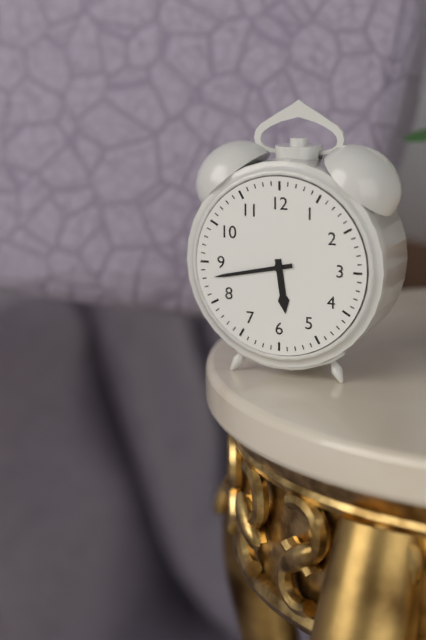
**5:43**
